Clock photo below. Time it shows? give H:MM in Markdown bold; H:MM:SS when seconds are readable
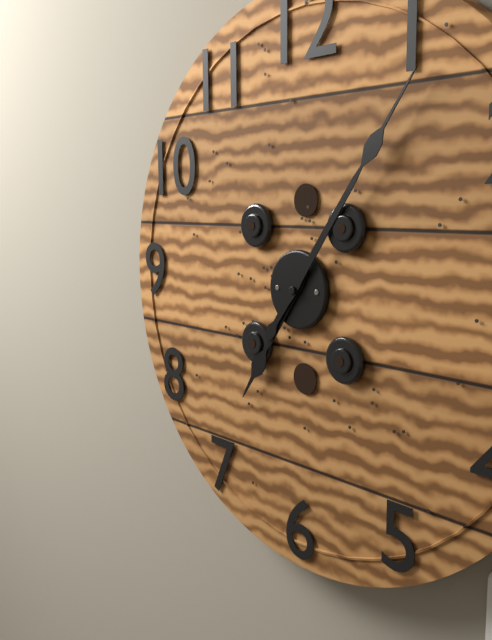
**7:06**
